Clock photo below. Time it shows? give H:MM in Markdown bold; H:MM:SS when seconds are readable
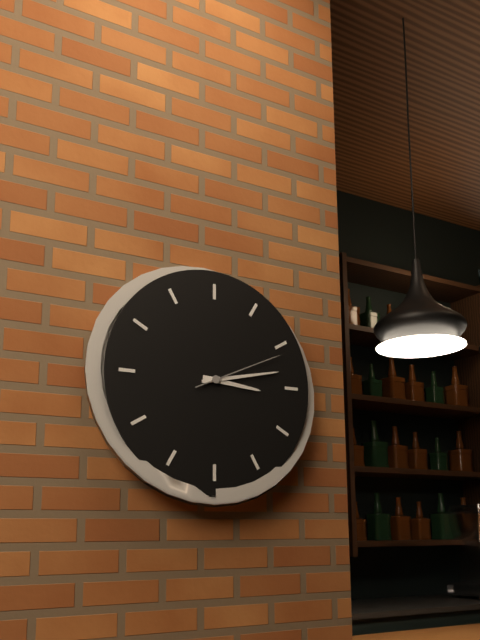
**3:13:11**
